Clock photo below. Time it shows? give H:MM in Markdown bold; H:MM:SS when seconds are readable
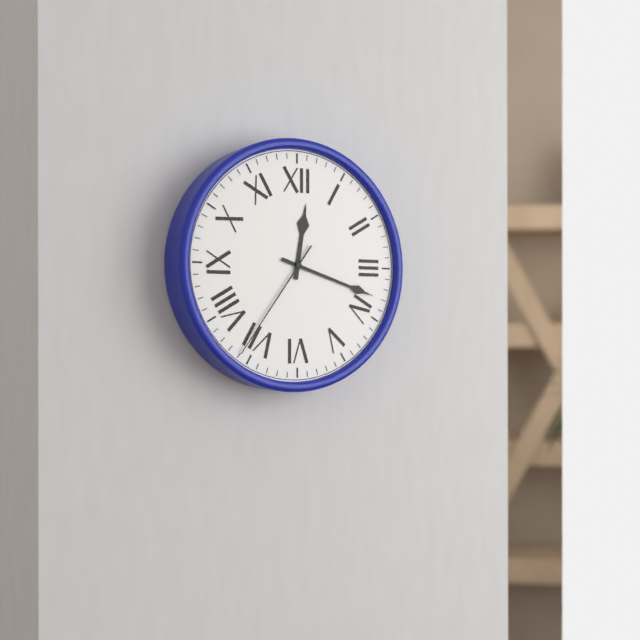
**12:18:36**
